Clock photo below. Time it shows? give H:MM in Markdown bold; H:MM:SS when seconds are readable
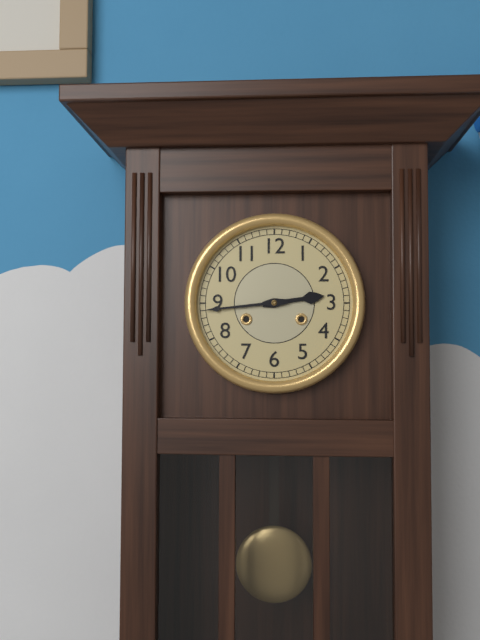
**2:44**
